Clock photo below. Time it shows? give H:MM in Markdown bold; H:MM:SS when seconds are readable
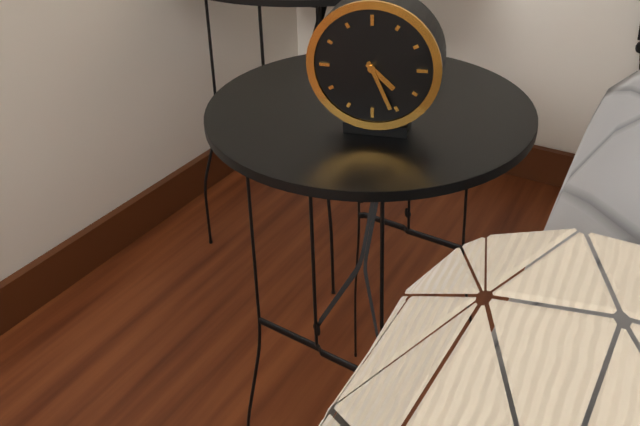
**4:26**
